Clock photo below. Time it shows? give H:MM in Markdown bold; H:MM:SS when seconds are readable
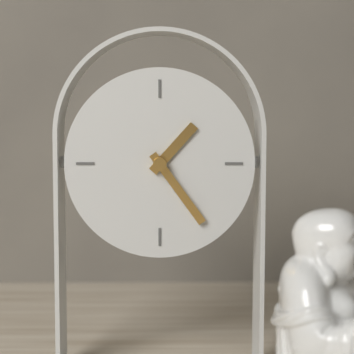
**1:24**
